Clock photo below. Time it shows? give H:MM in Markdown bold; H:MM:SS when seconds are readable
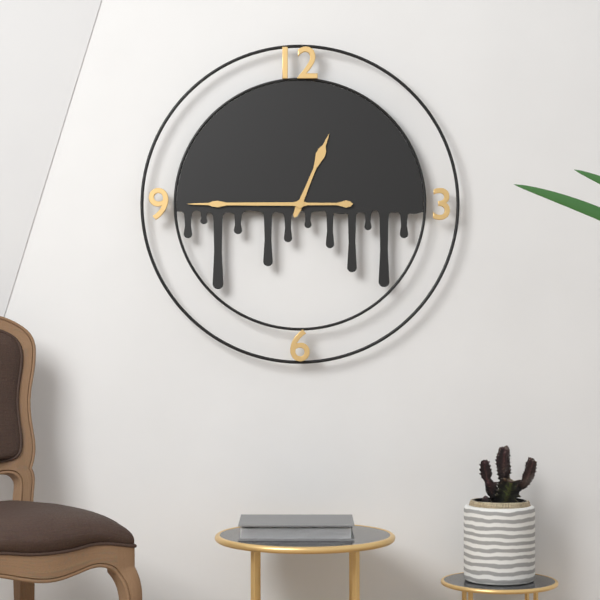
**12:45**
